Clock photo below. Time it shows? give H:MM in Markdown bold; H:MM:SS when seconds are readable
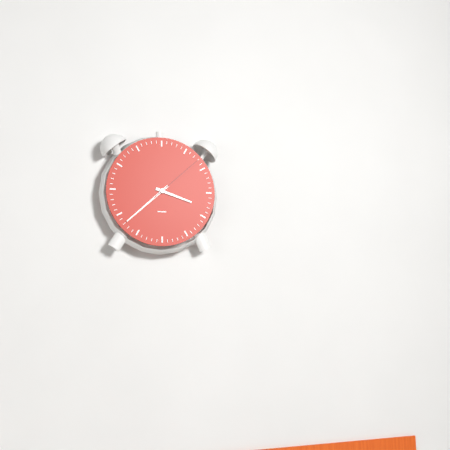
**3:38:08**
